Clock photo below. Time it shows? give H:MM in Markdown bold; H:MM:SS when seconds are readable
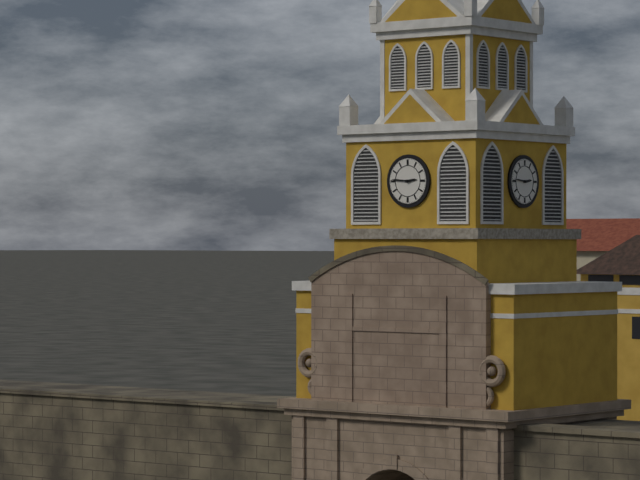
**2:46**
